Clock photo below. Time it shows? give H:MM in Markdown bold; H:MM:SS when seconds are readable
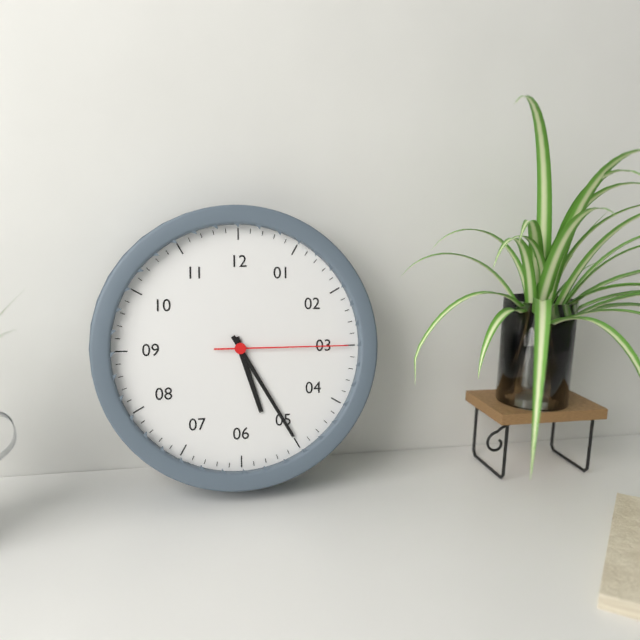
**5:25:15**
